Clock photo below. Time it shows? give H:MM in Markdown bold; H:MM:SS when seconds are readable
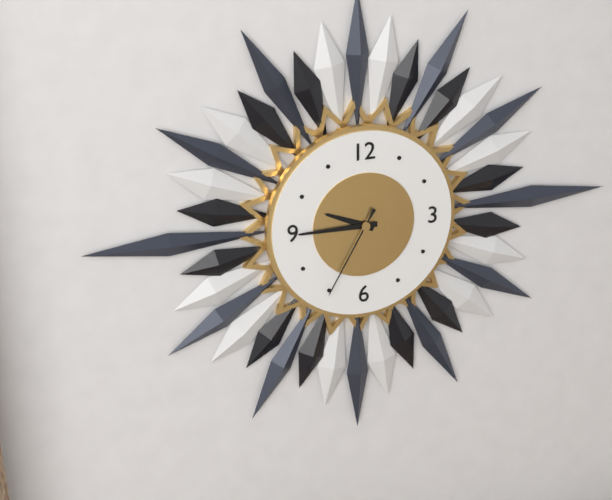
**9:45:35**
